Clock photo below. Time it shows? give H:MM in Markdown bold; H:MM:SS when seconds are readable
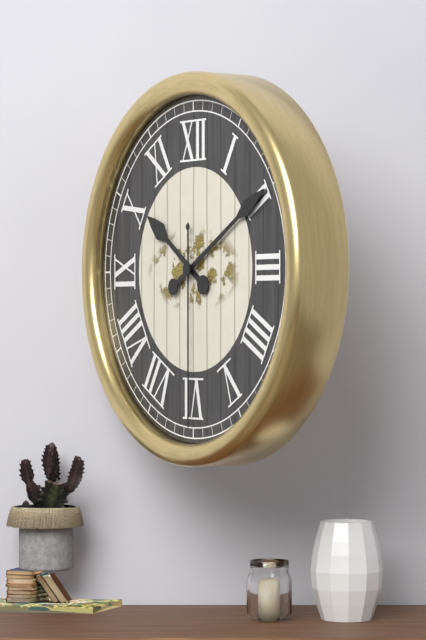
**10:10:30**
